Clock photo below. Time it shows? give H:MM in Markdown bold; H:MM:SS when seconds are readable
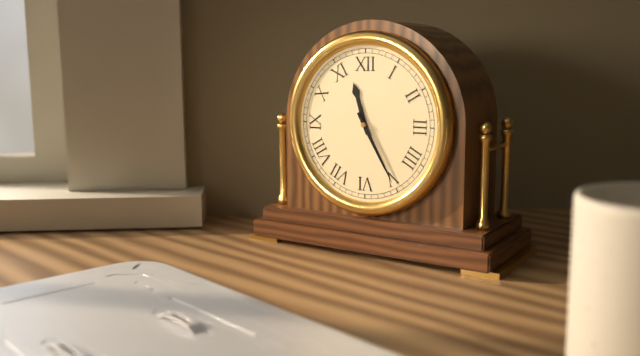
**11:25**
